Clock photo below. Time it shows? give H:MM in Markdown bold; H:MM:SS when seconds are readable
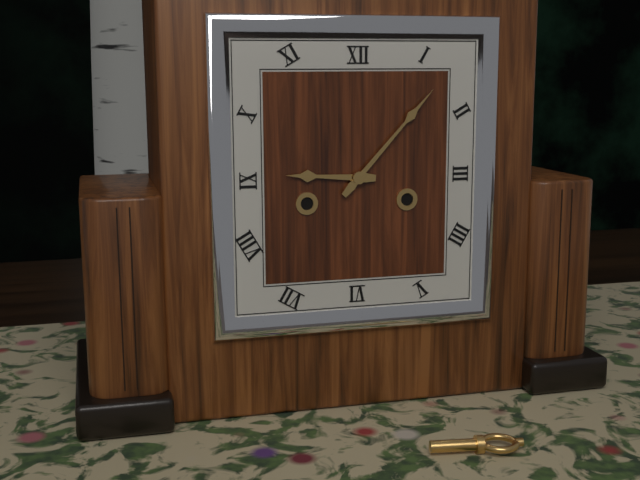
**9:07**
